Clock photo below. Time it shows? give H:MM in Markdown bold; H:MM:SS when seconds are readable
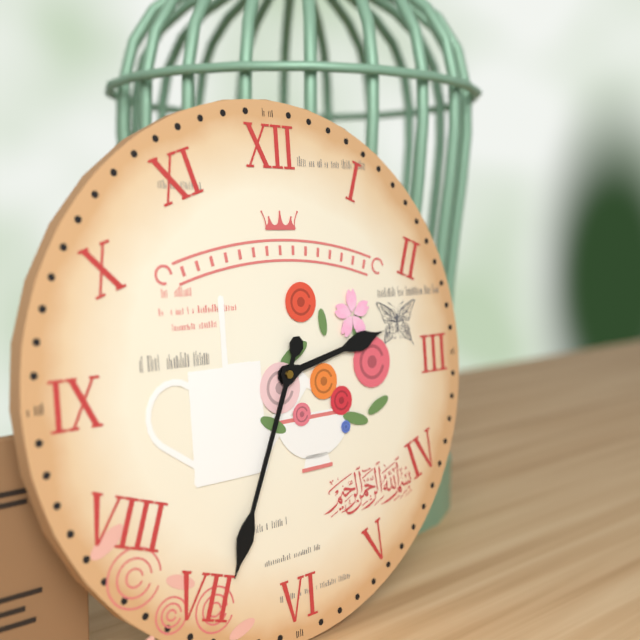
**2:34**
